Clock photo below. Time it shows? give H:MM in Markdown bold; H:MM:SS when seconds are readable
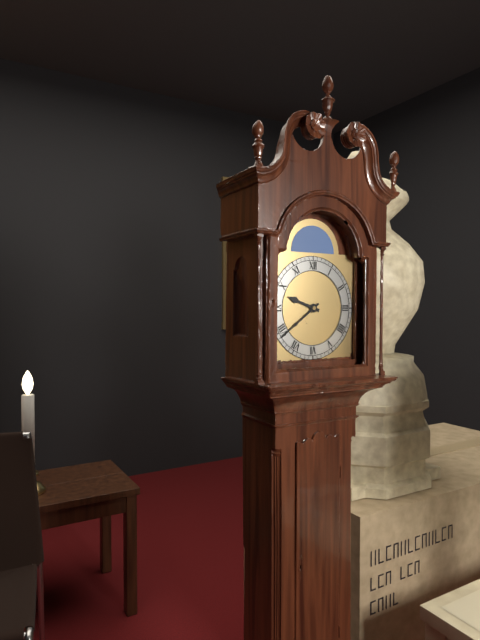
**9:39**
